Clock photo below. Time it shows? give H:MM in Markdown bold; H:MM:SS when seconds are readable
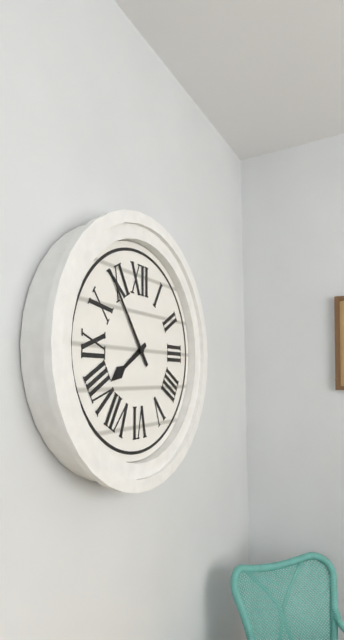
**7:54**
